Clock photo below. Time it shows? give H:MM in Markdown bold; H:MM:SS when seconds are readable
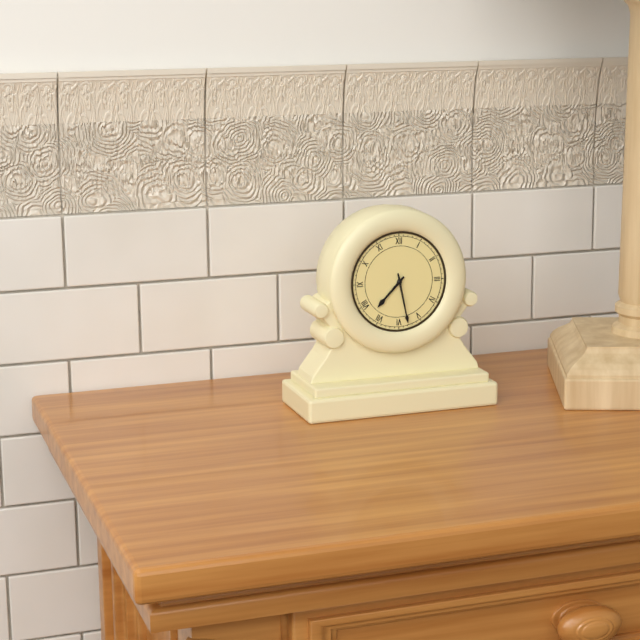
**7:28**
